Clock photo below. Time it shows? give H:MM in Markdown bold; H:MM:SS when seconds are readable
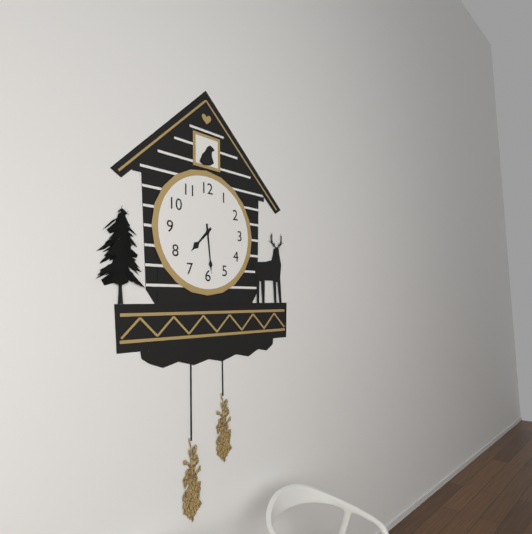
**7:29**
